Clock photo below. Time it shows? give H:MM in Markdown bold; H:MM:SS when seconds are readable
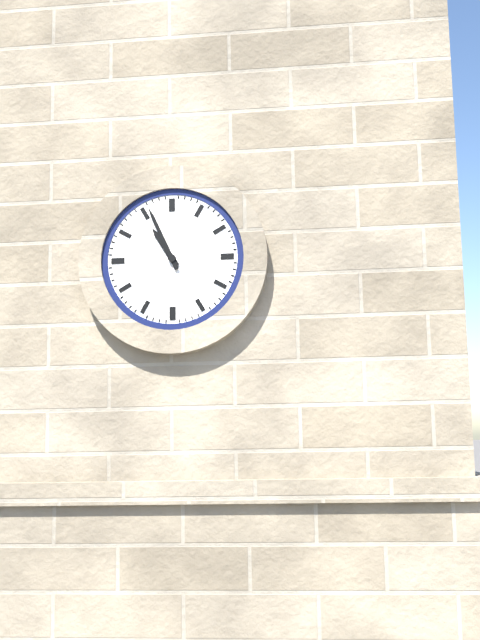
**10:56**
